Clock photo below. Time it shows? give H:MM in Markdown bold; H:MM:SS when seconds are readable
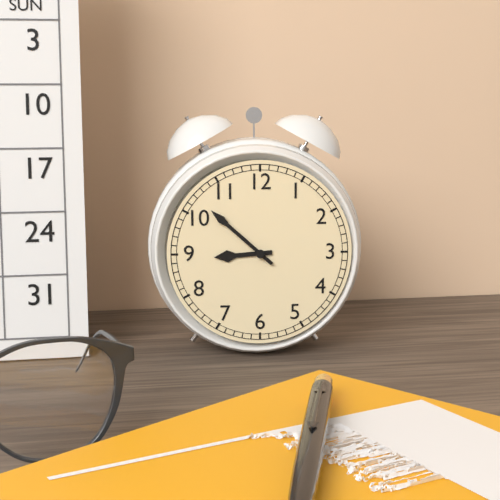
**8:52**
